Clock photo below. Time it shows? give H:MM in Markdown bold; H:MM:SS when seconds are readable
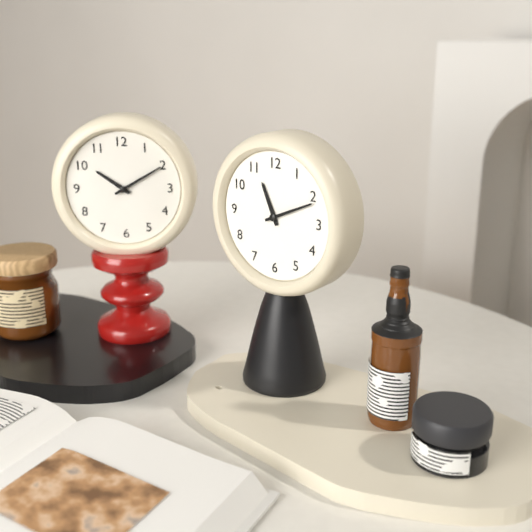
**11:11**
